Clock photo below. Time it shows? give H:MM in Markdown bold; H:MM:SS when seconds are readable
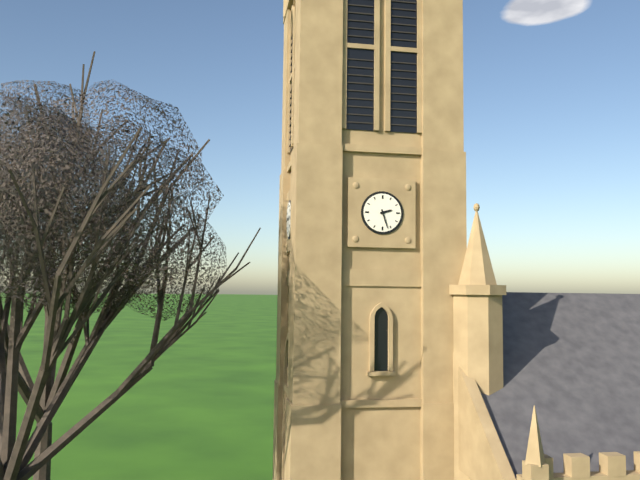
**2:27**
